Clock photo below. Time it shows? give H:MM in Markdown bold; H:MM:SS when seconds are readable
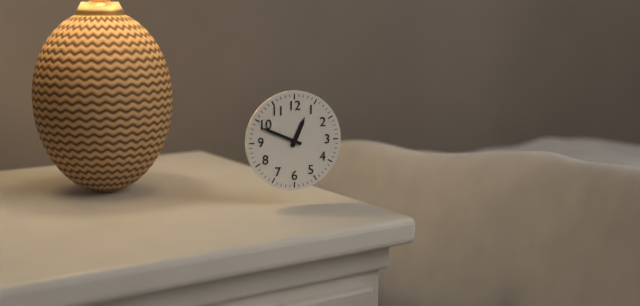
**12:49**
